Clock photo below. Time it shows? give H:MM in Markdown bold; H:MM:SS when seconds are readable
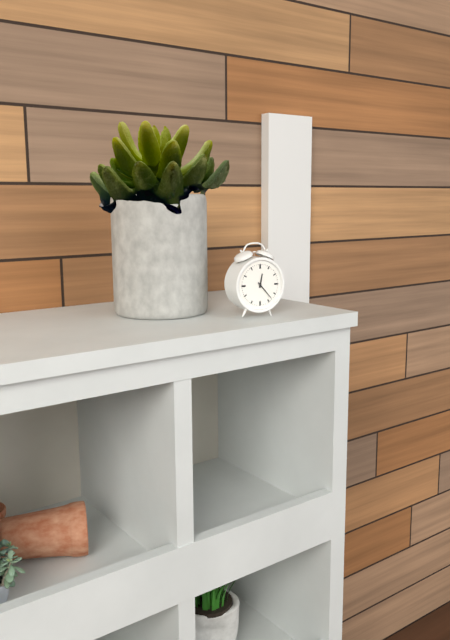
**12:23**
